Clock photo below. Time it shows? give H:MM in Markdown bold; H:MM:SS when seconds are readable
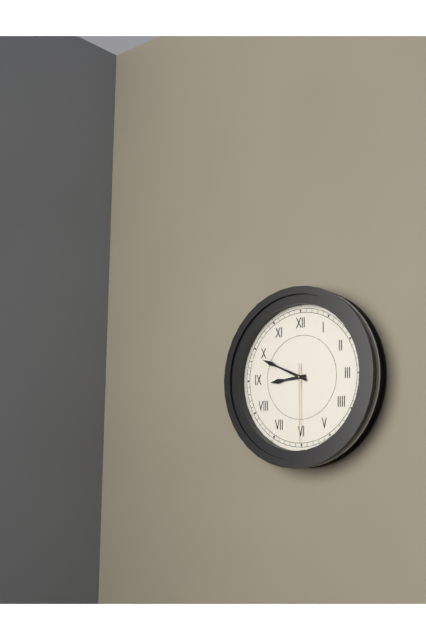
**8:49:30**
